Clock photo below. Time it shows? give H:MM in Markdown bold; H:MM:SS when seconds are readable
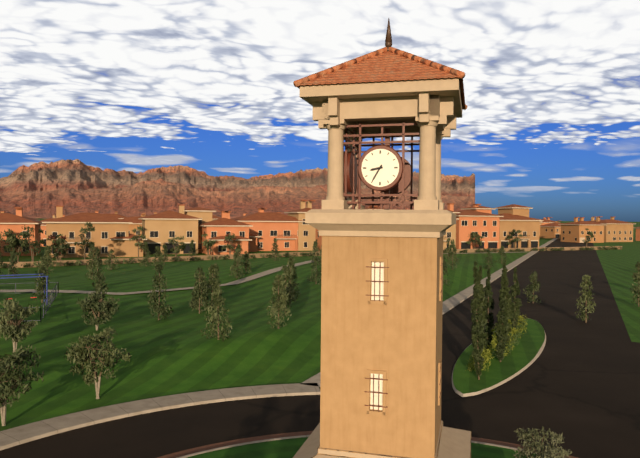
**8:35**
